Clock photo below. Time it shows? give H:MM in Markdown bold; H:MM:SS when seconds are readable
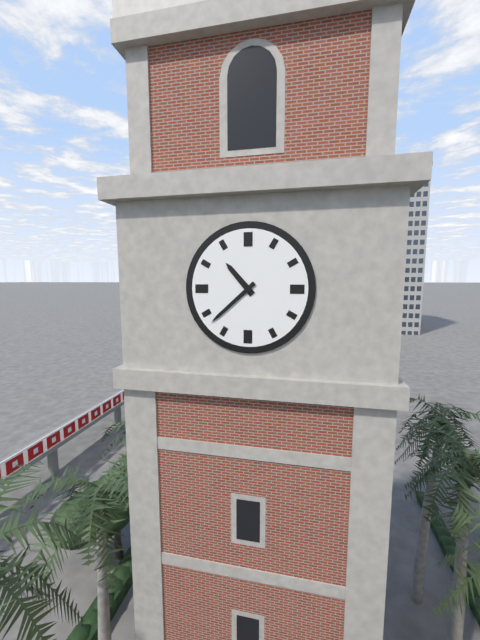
**10:38**
